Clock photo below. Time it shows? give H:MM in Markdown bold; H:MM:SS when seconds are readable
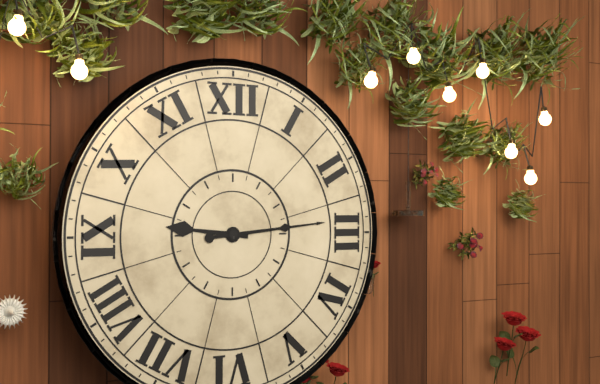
**9:14**
